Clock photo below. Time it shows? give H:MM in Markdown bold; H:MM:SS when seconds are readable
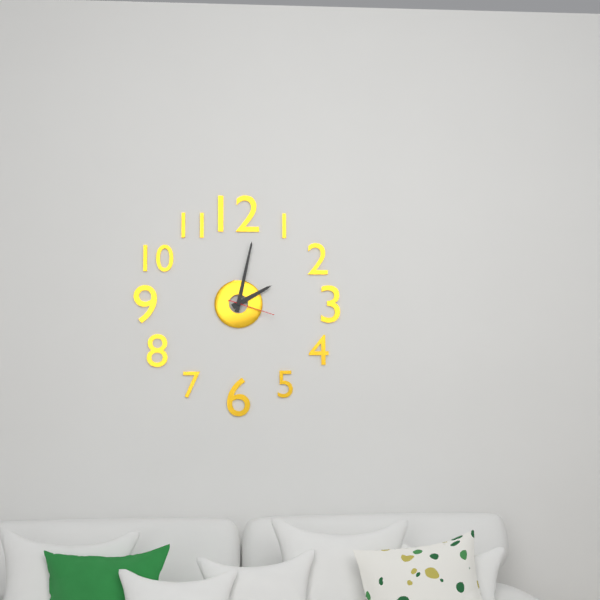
**2:02**
